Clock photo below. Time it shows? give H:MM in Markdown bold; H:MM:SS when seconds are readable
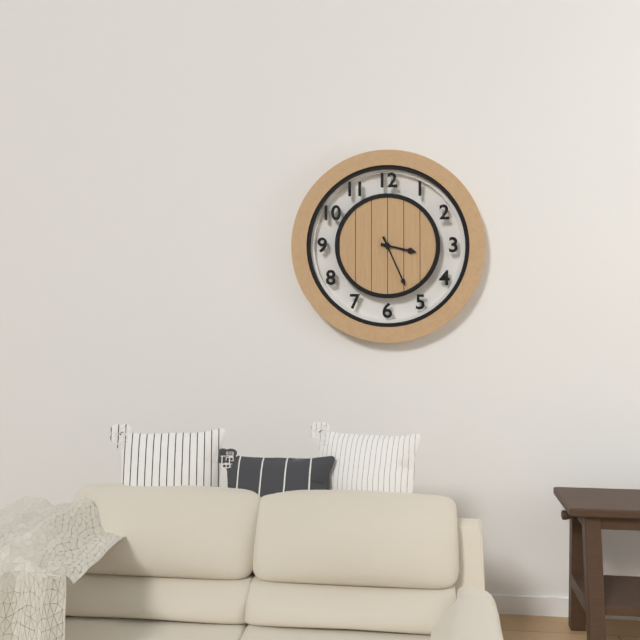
**3:26**
